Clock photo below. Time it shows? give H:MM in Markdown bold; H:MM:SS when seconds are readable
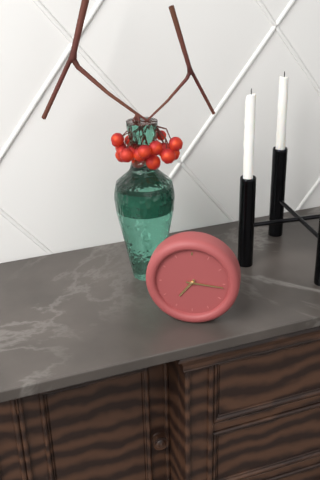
**7:16**
